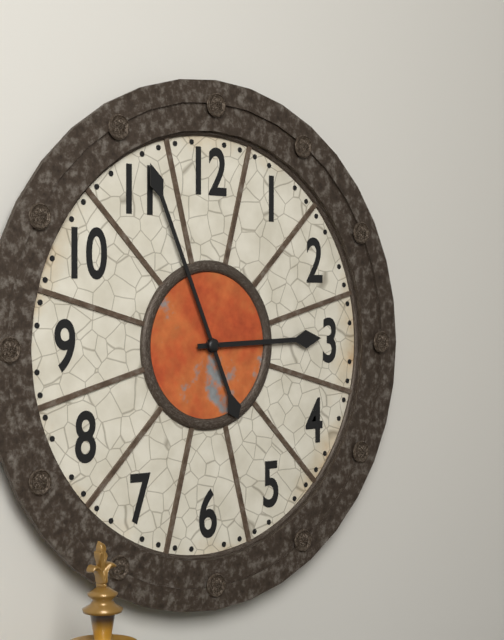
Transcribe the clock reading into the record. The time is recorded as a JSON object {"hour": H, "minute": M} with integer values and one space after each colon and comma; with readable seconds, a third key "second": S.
{"hour": 2, "minute": 56}
